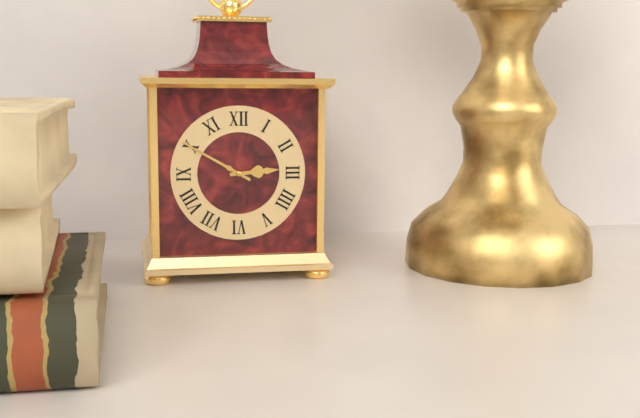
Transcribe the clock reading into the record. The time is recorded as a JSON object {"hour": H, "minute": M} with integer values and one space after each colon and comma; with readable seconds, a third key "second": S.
{"hour": 2, "minute": 50}
